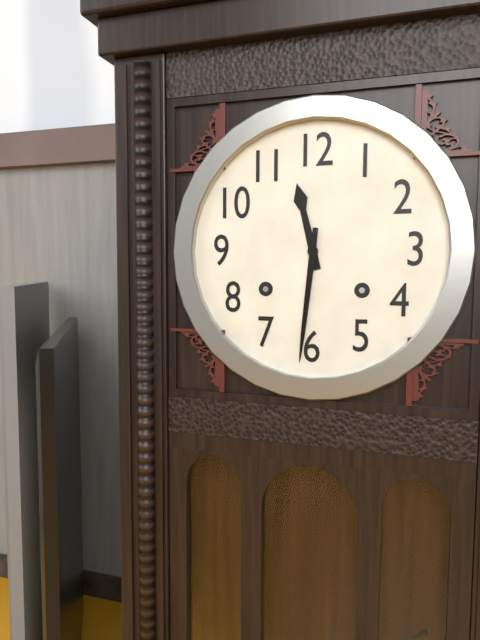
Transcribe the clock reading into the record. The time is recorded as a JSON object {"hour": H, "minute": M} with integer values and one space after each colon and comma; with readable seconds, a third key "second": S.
{"hour": 11, "minute": 31}
